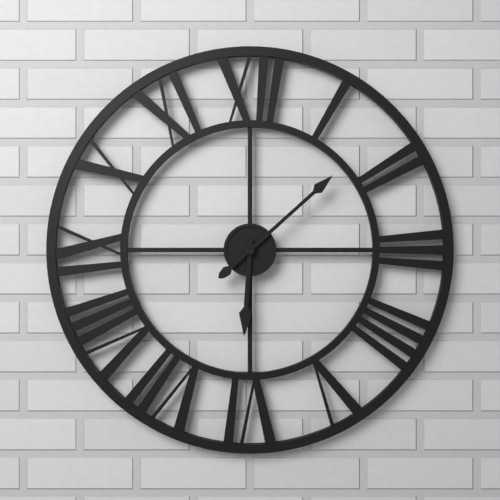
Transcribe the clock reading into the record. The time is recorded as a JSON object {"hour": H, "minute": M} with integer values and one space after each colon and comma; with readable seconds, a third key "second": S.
{"hour": 6, "minute": 8}
